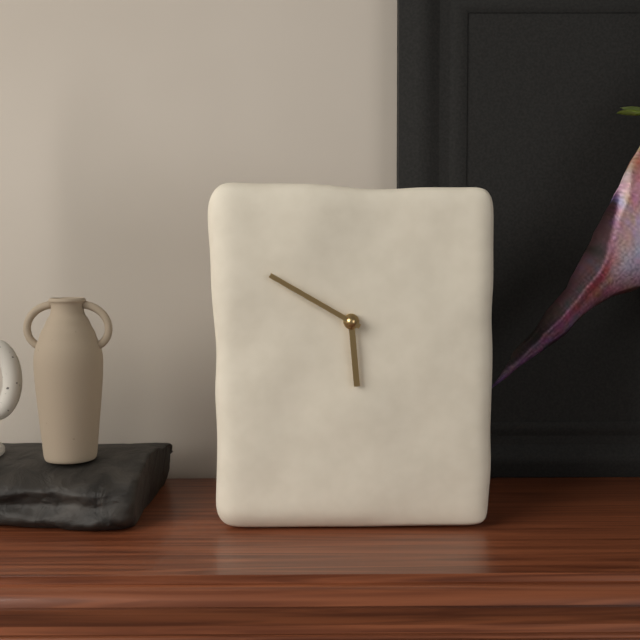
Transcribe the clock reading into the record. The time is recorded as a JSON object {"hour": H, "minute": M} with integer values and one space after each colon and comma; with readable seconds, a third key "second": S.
{"hour": 5, "minute": 50}
